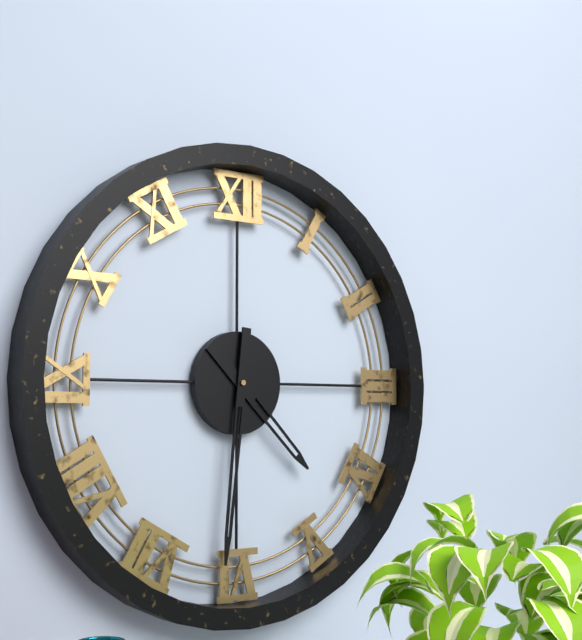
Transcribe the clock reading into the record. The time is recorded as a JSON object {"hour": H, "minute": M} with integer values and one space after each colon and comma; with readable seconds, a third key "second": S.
{"hour": 4, "minute": 31}
